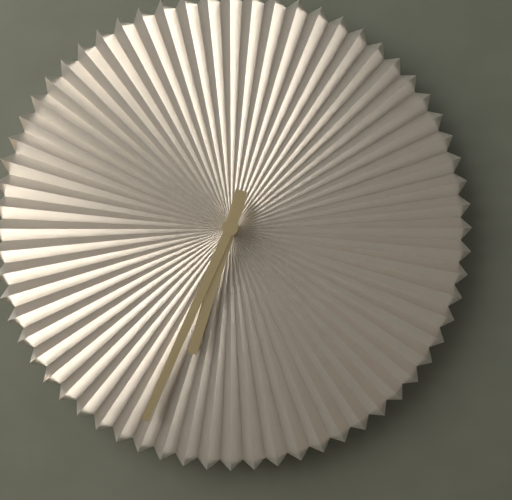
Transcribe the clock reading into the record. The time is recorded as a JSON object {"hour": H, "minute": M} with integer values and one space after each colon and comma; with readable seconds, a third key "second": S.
{"hour": 6, "minute": 34}
